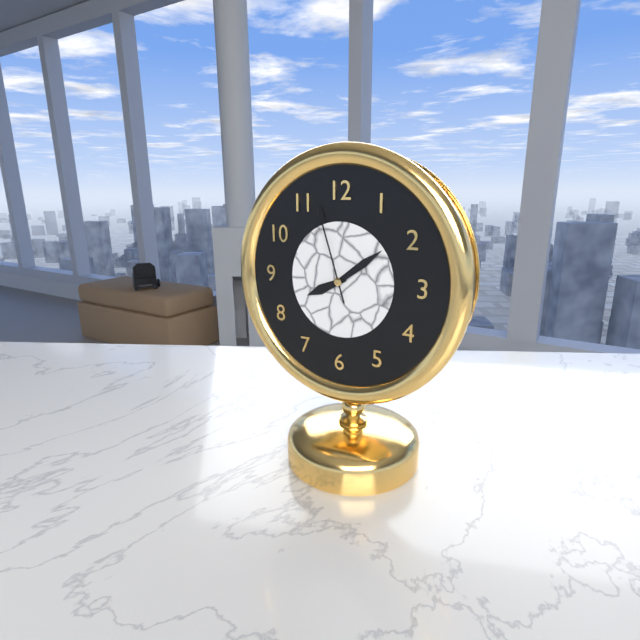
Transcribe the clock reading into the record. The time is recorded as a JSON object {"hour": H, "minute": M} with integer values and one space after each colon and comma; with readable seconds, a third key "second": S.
{"hour": 8, "minute": 9, "second": 57}
